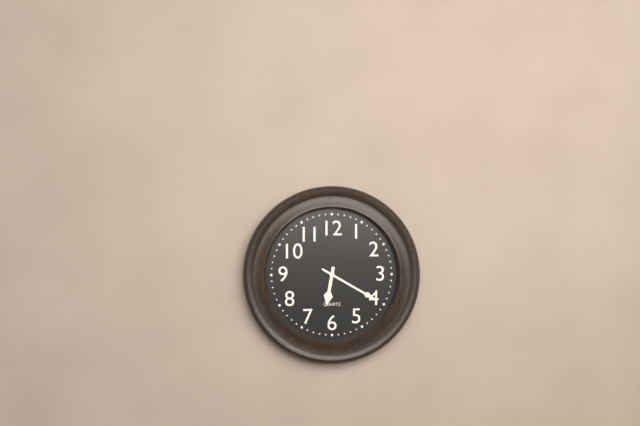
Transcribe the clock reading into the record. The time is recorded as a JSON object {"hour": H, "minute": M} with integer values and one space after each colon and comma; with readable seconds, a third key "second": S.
{"hour": 6, "minute": 20}
